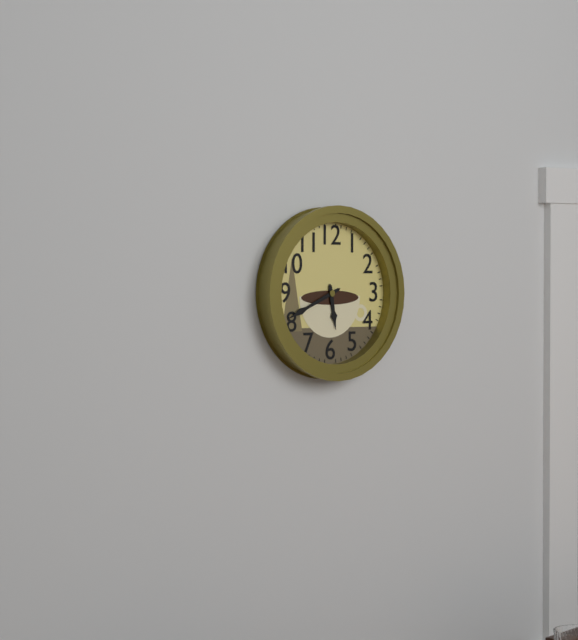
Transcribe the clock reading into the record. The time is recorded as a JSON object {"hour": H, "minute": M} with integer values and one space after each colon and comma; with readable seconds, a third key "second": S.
{"hour": 5, "minute": 41}
